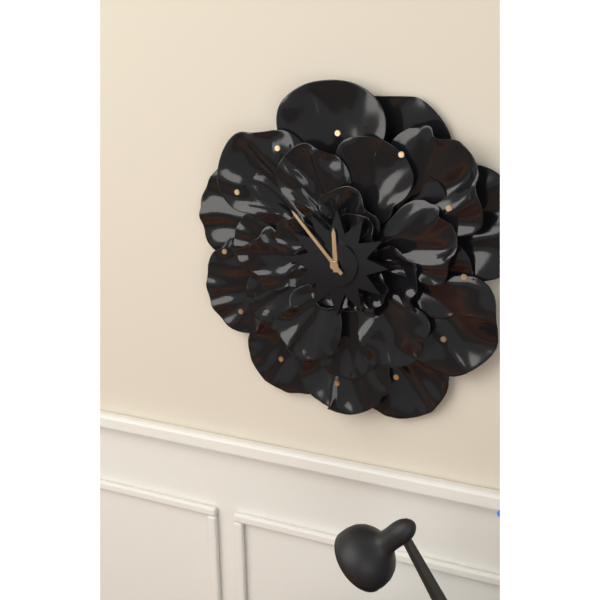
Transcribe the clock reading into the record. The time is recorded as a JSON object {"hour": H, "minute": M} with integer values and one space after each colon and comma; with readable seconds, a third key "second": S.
{"hour": 11, "minute": 53}
